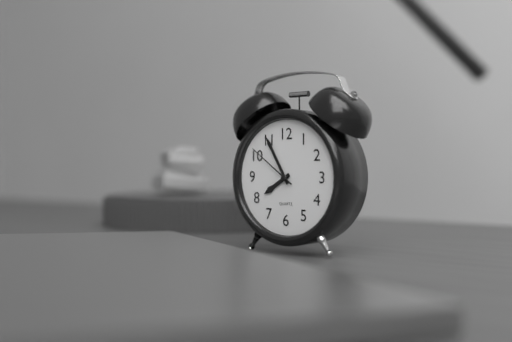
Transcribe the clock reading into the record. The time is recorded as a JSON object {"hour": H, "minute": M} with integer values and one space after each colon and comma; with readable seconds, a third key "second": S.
{"hour": 7, "minute": 55, "second": 51}
